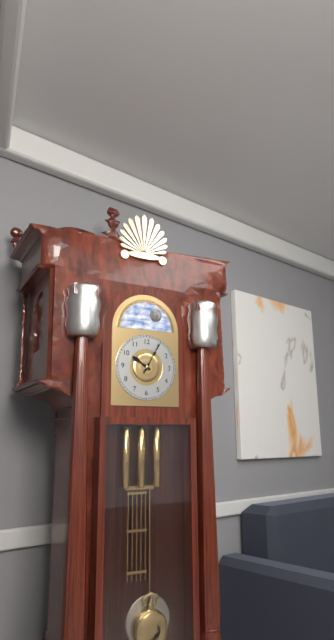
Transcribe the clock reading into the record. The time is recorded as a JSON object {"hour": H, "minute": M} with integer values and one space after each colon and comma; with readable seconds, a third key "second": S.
{"hour": 10, "minute": 5}
